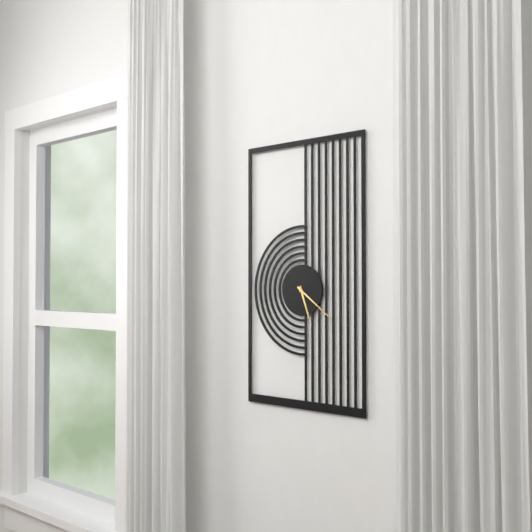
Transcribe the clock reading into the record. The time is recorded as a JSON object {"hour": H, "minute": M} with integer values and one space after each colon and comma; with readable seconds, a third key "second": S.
{"hour": 5, "minute": 21}
